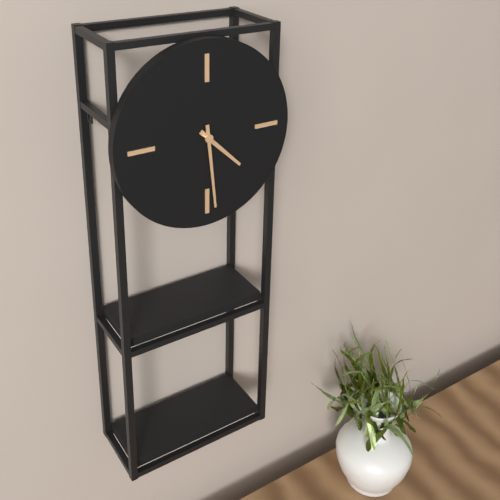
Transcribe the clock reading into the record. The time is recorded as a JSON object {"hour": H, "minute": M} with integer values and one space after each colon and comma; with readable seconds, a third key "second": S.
{"hour": 4, "minute": 29}
